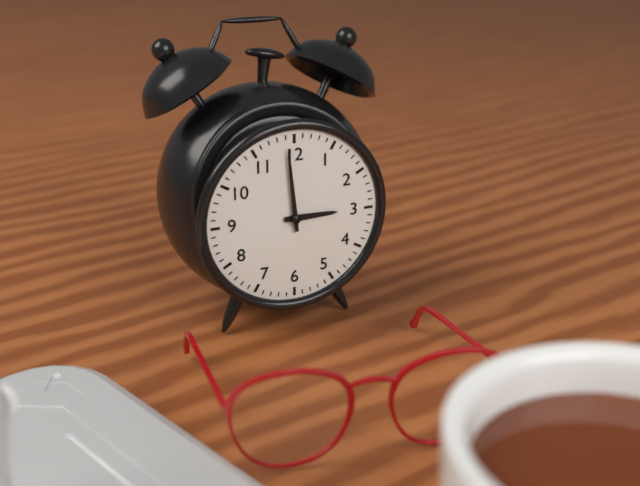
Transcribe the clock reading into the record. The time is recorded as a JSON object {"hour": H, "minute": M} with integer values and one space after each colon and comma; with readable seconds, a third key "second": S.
{"hour": 2, "minute": 59}
